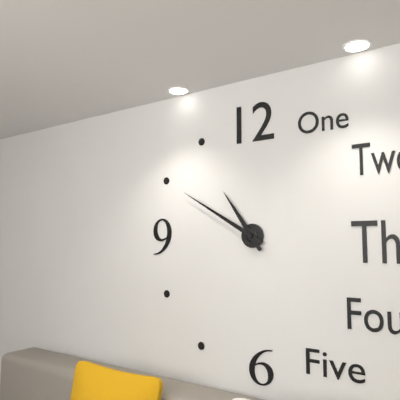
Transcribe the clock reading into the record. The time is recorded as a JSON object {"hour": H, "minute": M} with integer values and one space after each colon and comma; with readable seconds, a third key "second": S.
{"hour": 10, "minute": 50}
